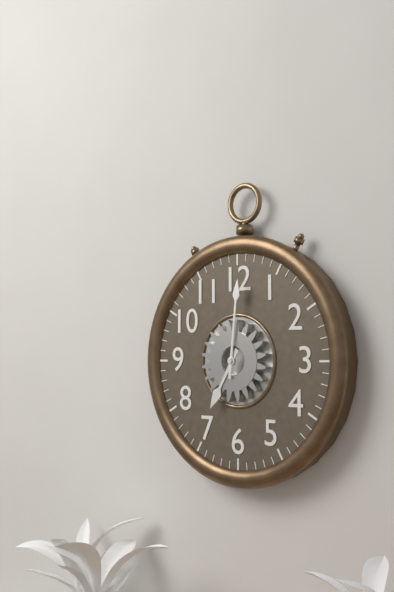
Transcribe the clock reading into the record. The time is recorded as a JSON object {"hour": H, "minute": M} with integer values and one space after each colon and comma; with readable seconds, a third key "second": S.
{"hour": 7, "minute": 1}
